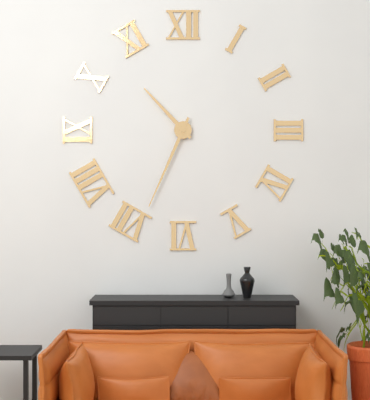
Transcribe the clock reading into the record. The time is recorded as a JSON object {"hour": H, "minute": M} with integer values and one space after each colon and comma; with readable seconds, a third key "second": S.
{"hour": 10, "minute": 34}
